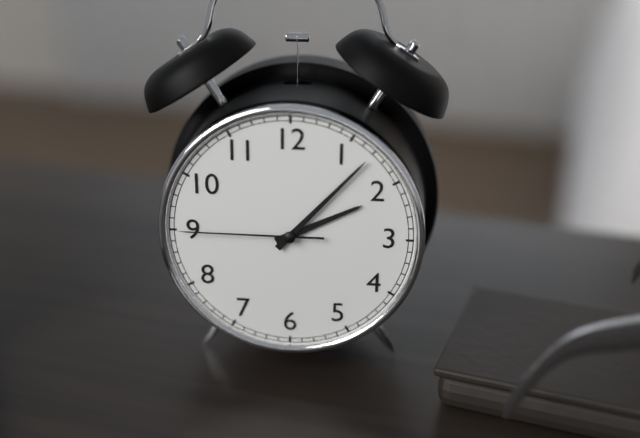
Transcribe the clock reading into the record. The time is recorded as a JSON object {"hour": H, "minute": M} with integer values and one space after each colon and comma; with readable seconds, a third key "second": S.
{"hour": 2, "minute": 7, "second": 45}
